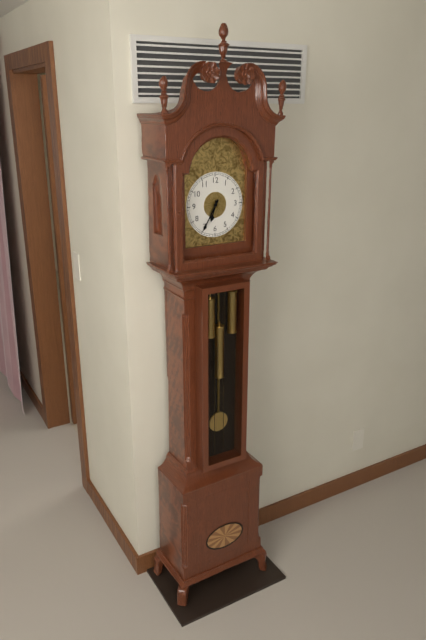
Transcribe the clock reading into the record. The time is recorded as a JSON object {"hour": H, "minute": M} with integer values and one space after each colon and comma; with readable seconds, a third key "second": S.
{"hour": 6, "minute": 35}
